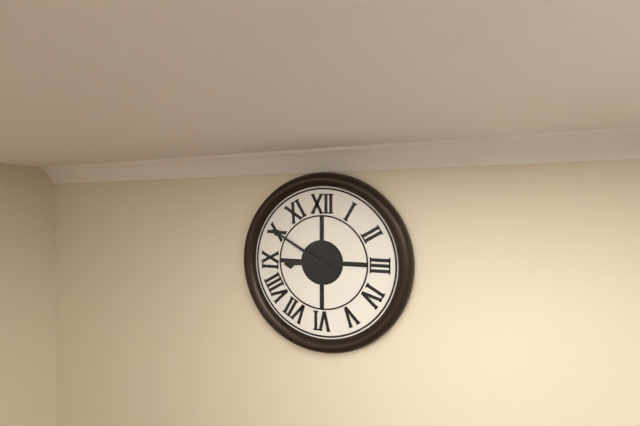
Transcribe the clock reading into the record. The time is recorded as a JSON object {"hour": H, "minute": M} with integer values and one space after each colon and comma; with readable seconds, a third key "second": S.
{"hour": 8, "minute": 50}
